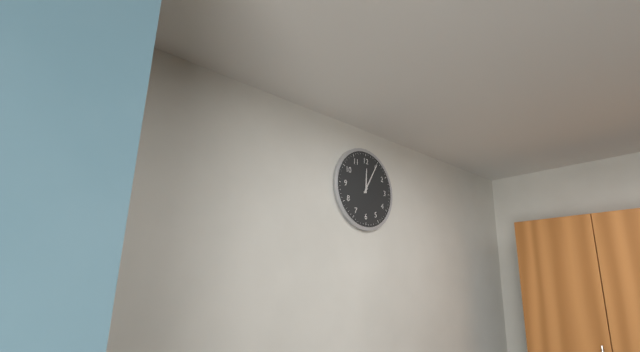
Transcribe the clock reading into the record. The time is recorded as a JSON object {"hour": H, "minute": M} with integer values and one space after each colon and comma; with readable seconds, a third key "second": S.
{"hour": 12, "minute": 5}
